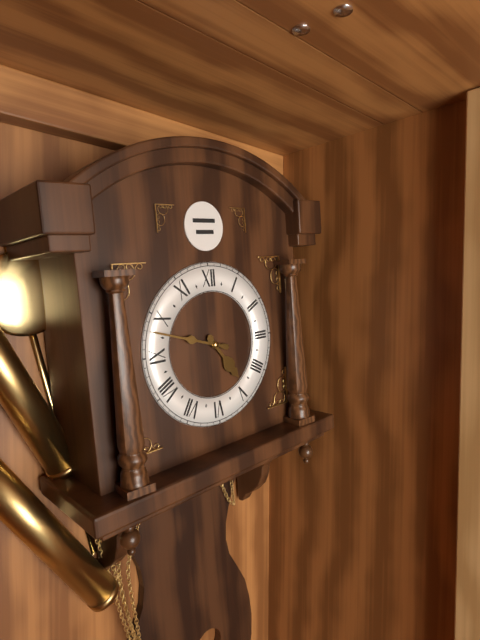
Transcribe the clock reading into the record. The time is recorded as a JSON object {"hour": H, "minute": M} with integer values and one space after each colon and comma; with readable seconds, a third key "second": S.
{"hour": 4, "minute": 48}
